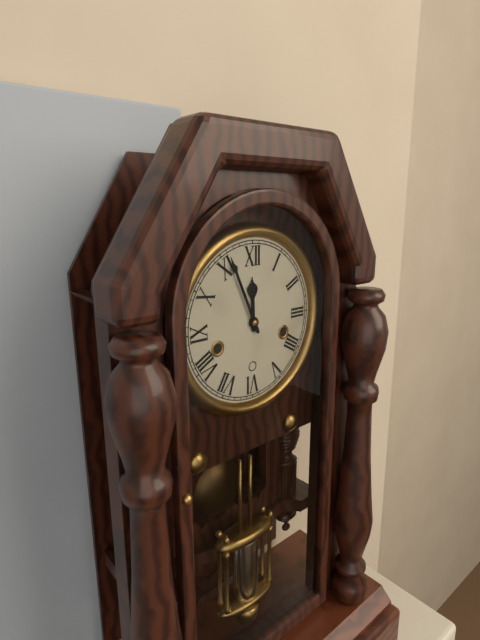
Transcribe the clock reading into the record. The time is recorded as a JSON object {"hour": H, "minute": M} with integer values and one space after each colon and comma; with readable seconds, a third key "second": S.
{"hour": 11, "minute": 56}
